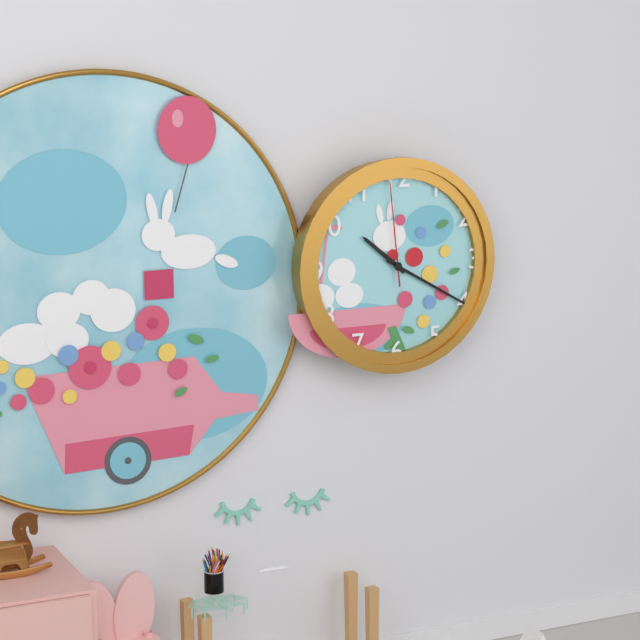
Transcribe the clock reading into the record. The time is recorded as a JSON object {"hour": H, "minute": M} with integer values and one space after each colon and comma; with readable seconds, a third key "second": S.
{"hour": 10, "minute": 20, "second": 59}
